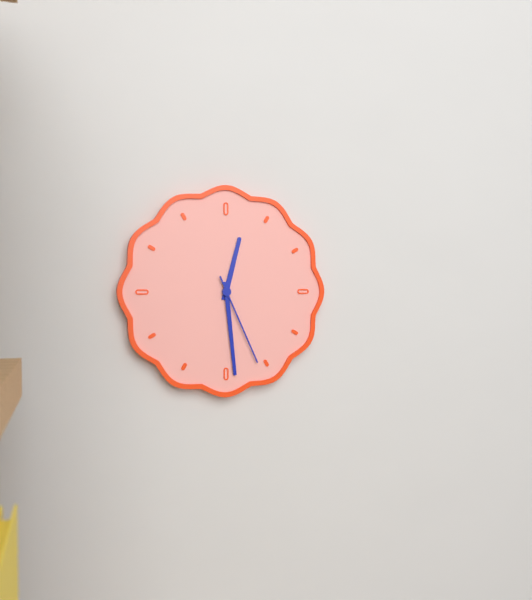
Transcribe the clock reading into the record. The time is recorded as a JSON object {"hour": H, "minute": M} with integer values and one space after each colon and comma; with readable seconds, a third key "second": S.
{"hour": 12, "minute": 29, "second": 26}
